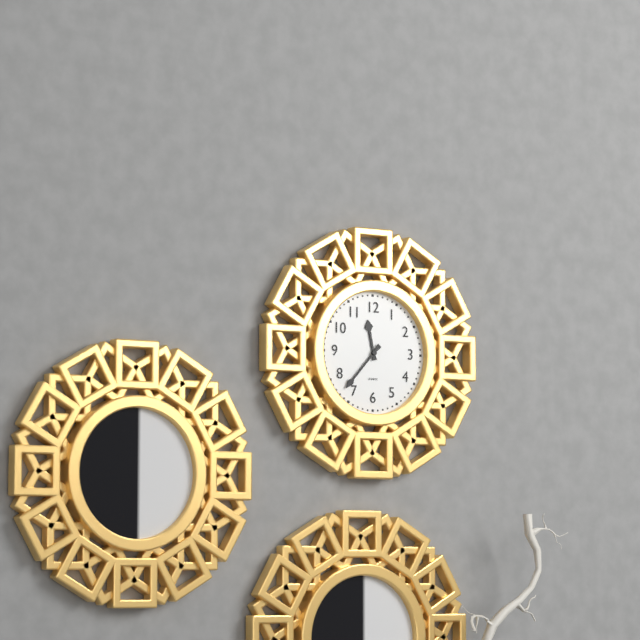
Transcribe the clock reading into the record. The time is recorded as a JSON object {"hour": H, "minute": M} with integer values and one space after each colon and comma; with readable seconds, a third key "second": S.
{"hour": 11, "minute": 37}
